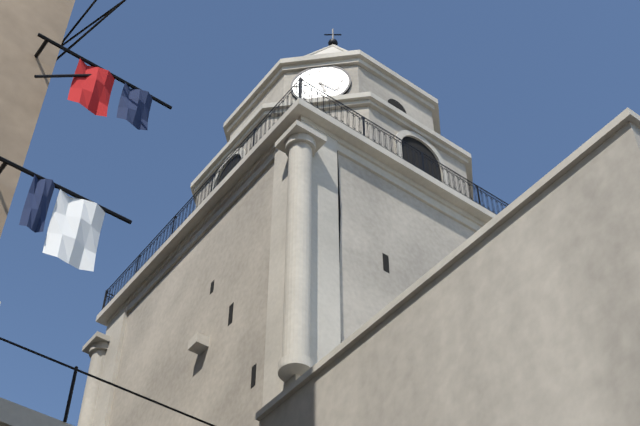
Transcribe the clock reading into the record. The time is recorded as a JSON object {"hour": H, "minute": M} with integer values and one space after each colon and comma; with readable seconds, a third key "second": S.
{"hour": 5, "minute": 22}
